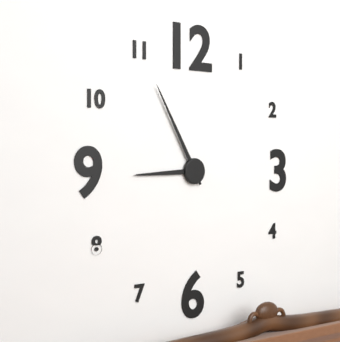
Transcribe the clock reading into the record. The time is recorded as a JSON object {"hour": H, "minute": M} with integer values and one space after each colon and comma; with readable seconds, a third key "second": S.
{"hour": 8, "minute": 55}
